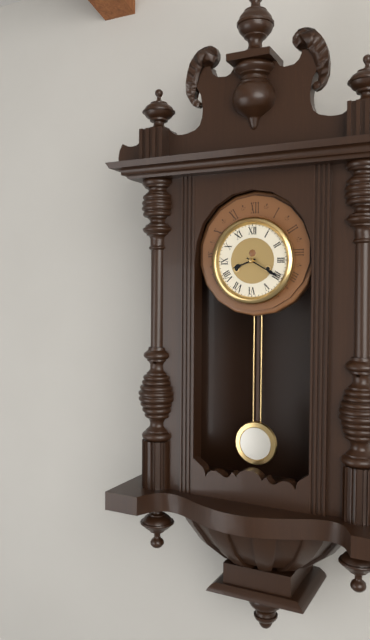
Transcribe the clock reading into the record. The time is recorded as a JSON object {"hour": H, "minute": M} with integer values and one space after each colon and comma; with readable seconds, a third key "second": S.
{"hour": 8, "minute": 20}
